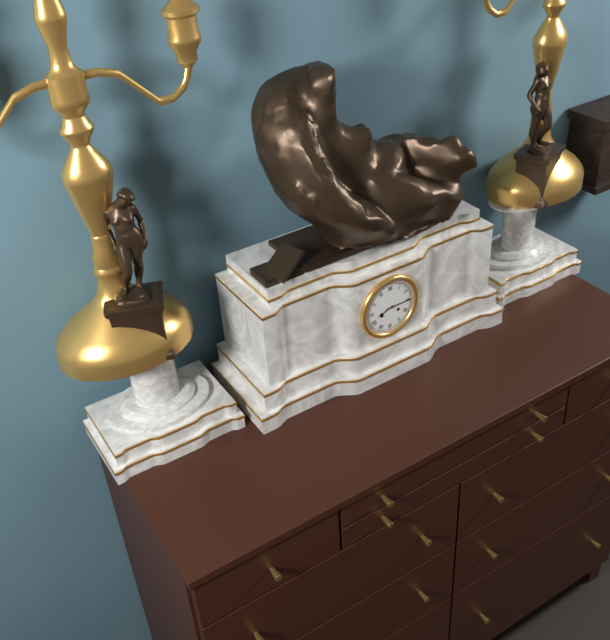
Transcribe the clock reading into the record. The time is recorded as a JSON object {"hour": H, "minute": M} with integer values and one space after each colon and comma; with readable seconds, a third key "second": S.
{"hour": 8, "minute": 15}
